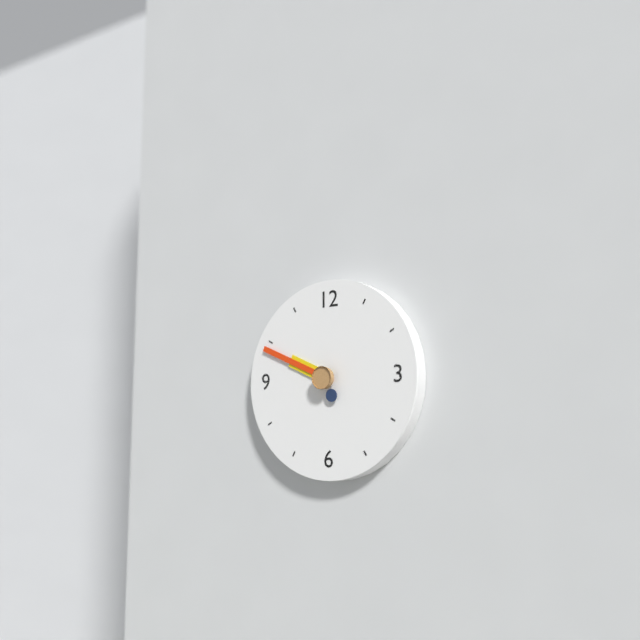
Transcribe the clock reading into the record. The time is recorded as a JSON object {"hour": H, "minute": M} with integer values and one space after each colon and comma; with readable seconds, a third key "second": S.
{"hour": 9, "minute": 49}
